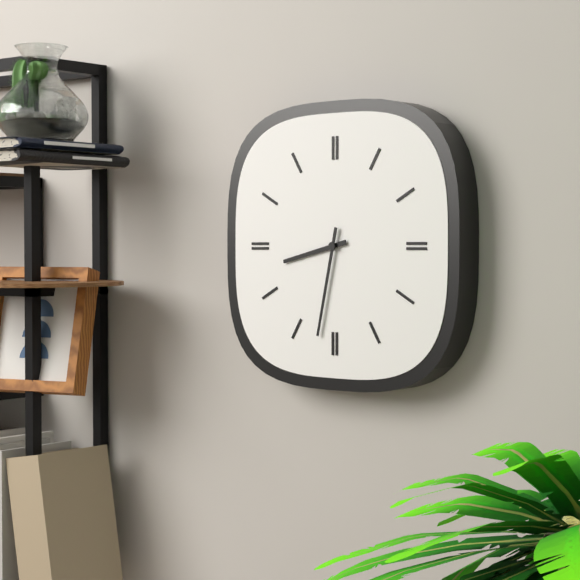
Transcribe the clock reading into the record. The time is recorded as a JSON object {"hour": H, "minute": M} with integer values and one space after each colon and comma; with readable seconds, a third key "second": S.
{"hour": 8, "minute": 32}
